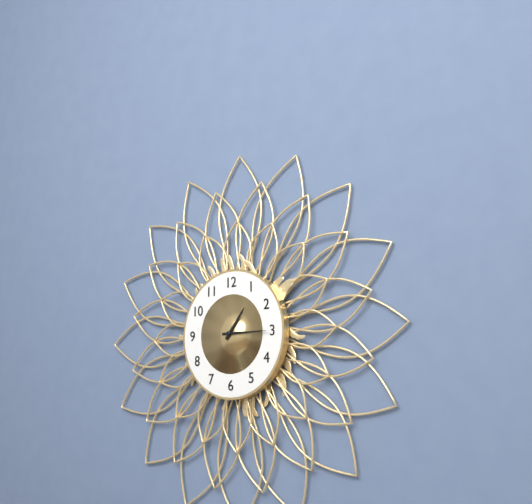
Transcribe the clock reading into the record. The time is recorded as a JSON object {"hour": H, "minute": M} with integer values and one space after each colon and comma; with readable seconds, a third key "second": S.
{"hour": 1, "minute": 15}
